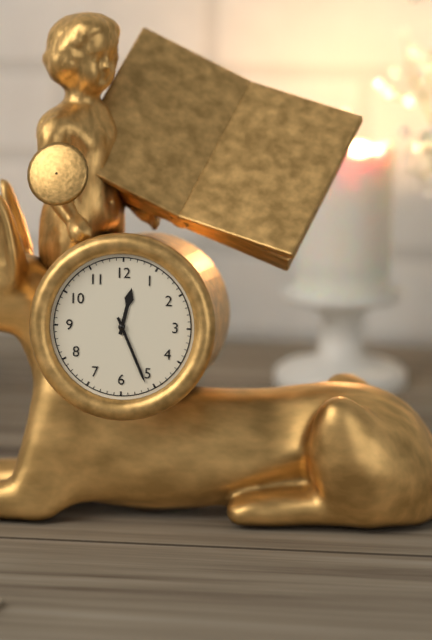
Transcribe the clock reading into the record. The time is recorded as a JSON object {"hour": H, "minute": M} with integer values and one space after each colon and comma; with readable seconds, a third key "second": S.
{"hour": 12, "minute": 26}
